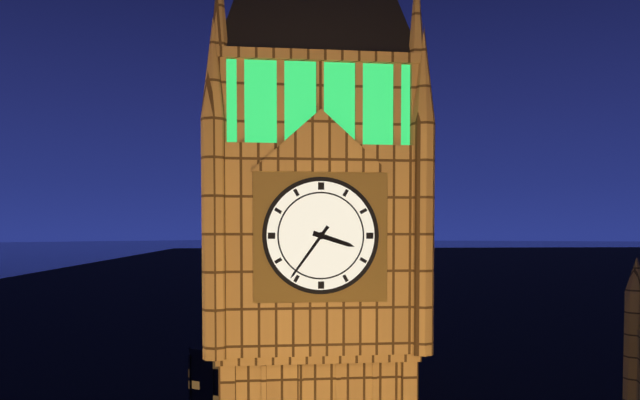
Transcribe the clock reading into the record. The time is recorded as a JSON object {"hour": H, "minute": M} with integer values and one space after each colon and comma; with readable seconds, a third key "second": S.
{"hour": 3, "minute": 36}
